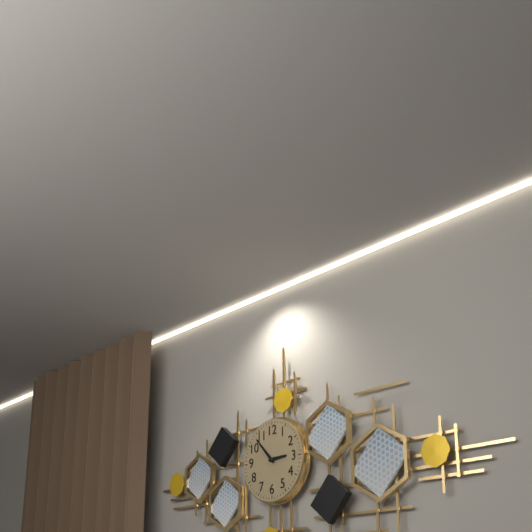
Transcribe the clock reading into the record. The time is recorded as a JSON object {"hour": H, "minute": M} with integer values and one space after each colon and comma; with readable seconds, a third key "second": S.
{"hour": 2, "minute": 53}
